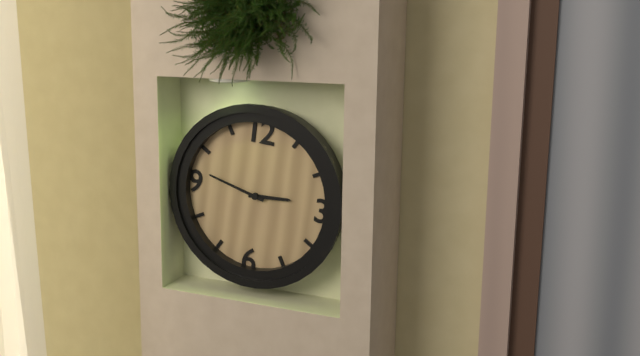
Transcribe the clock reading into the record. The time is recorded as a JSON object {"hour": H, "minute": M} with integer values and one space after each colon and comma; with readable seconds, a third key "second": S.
{"hour": 2, "minute": 47}
